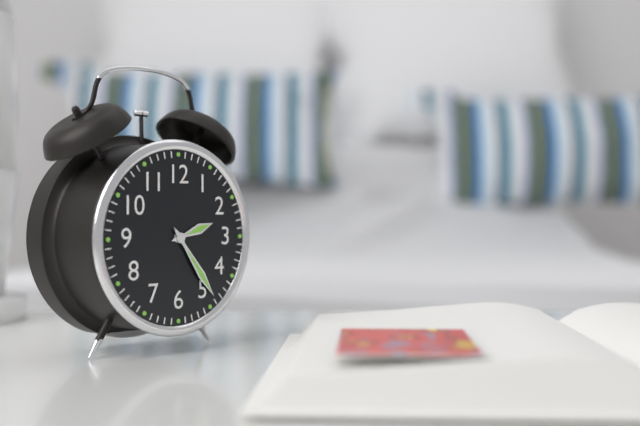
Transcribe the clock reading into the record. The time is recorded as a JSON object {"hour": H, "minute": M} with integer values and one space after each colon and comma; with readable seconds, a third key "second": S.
{"hour": 2, "minute": 24}
